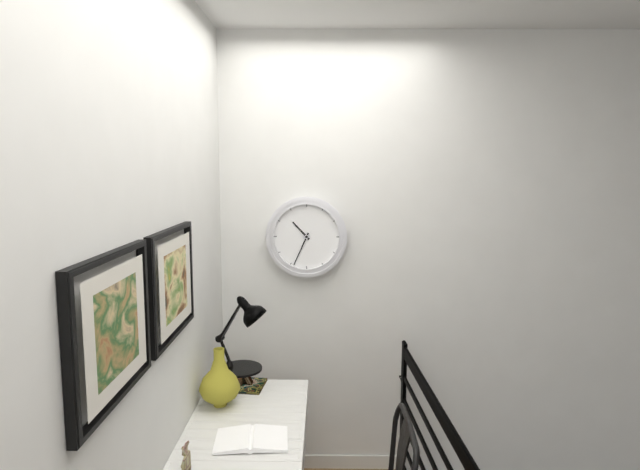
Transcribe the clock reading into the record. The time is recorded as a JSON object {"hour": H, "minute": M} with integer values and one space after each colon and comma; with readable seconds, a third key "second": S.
{"hour": 10, "minute": 34}
